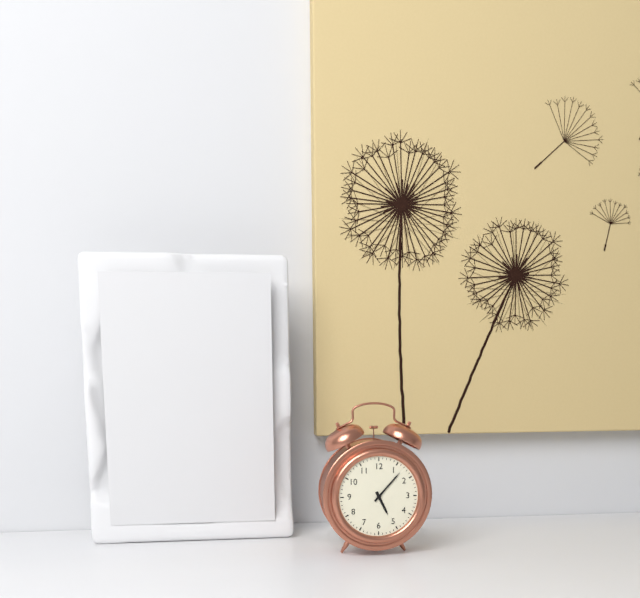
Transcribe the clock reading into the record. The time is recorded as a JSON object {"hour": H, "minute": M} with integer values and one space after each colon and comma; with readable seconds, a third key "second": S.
{"hour": 5, "minute": 7}
